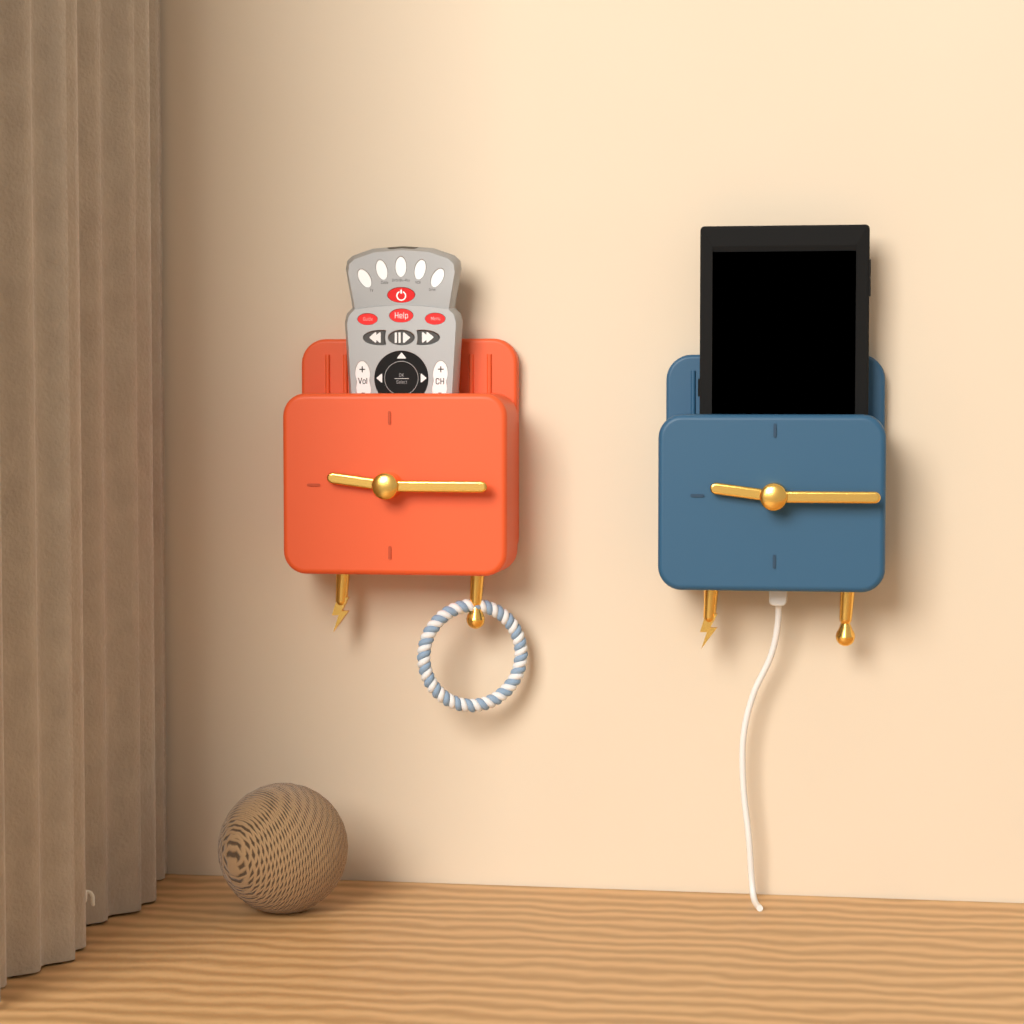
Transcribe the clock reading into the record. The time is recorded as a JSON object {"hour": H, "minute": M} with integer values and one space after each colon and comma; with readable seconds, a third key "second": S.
{"hour": 9, "minute": 15}
